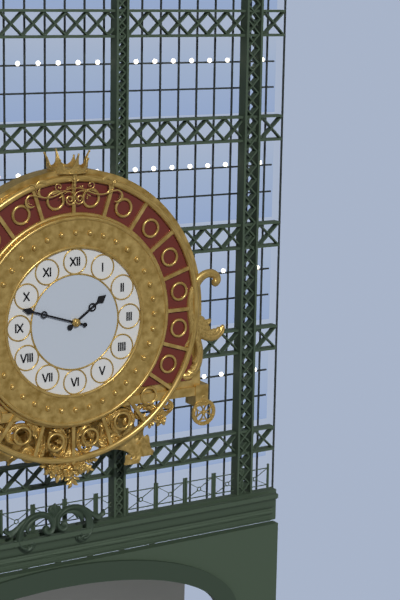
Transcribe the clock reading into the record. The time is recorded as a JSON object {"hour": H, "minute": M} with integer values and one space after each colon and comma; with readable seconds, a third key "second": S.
{"hour": 1, "minute": 48}
